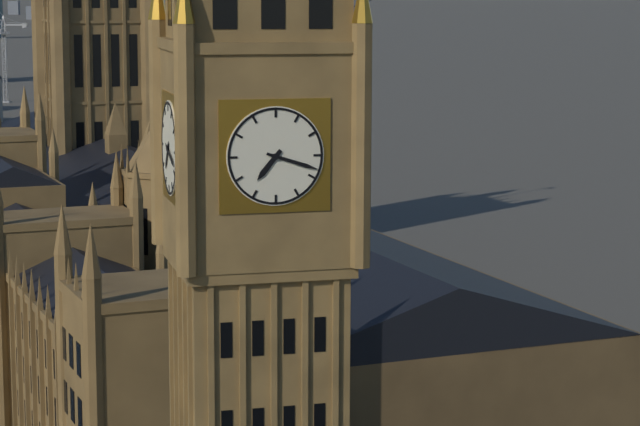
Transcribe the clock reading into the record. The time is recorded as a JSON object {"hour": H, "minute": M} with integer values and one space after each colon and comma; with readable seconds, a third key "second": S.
{"hour": 7, "minute": 18}
